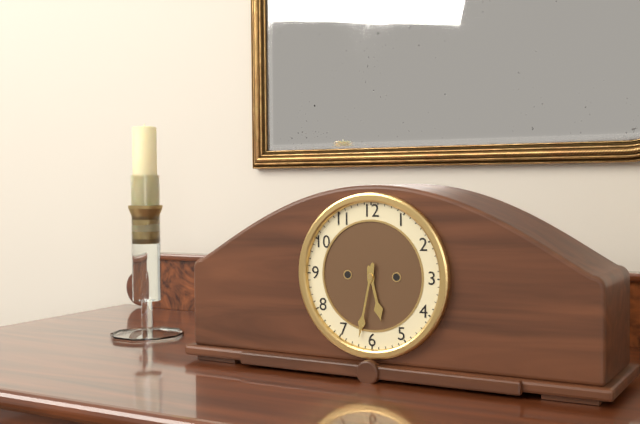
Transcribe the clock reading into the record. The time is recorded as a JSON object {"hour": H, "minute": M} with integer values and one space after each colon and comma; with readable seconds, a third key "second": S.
{"hour": 5, "minute": 32}
